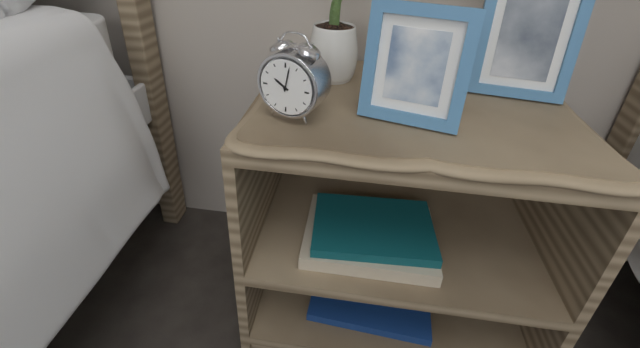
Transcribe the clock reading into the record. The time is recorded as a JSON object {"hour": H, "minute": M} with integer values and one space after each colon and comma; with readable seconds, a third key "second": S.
{"hour": 10, "minute": 2}
